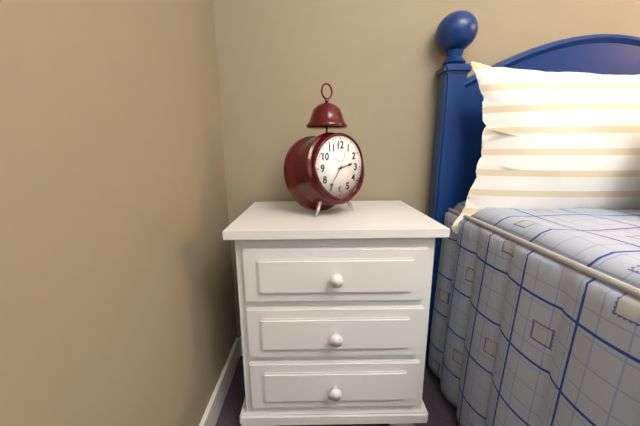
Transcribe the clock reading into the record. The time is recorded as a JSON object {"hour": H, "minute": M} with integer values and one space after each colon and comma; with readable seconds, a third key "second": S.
{"hour": 2, "minute": 36}
